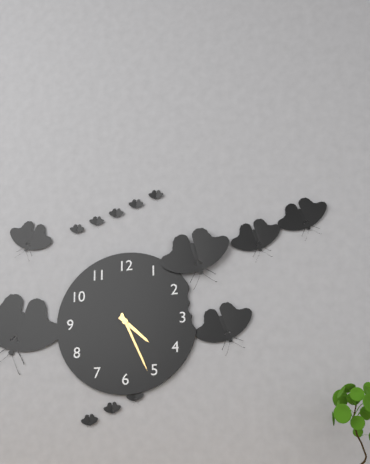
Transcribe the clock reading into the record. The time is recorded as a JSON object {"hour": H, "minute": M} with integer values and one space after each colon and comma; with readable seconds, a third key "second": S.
{"hour": 4, "minute": 26}
